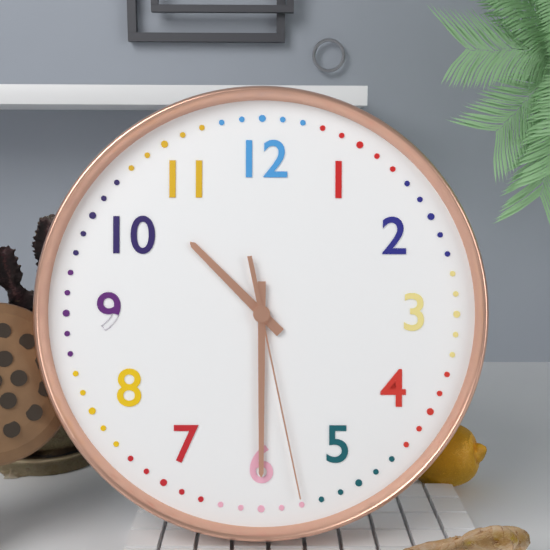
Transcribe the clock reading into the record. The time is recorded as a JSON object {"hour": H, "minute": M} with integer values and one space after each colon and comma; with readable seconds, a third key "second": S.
{"hour": 10, "minute": 30, "second": 28}
